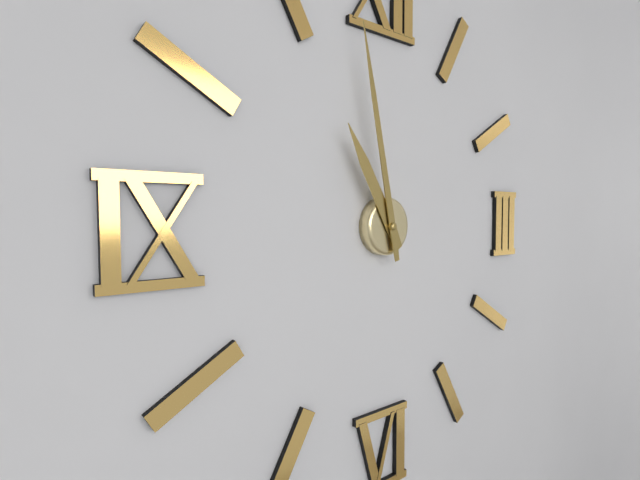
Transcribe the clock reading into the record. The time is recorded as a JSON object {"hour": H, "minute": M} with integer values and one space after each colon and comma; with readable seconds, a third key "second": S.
{"hour": 10, "minute": 58}
